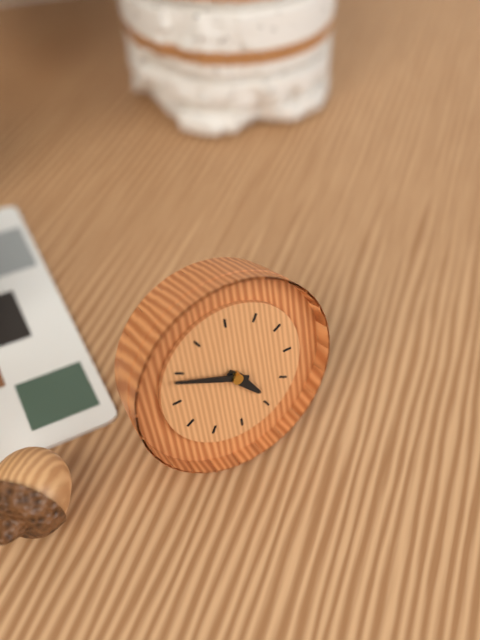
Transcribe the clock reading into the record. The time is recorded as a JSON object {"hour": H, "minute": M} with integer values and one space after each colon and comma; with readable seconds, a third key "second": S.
{"hour": 4, "minute": 49}
